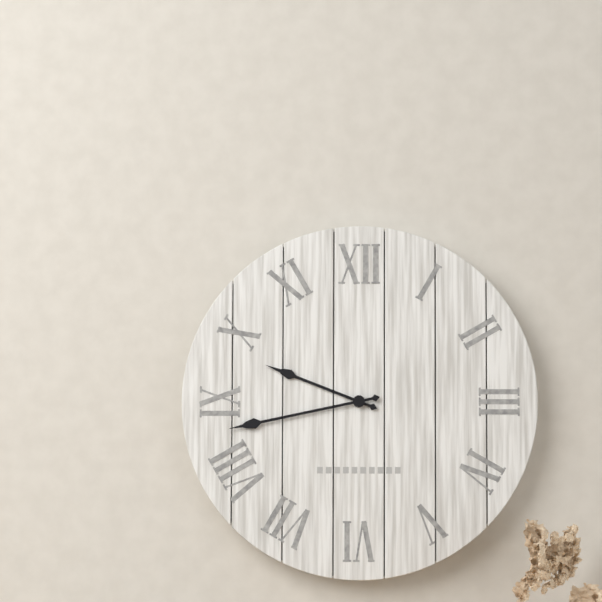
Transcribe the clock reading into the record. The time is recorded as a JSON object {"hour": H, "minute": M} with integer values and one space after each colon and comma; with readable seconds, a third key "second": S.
{"hour": 9, "minute": 43}
